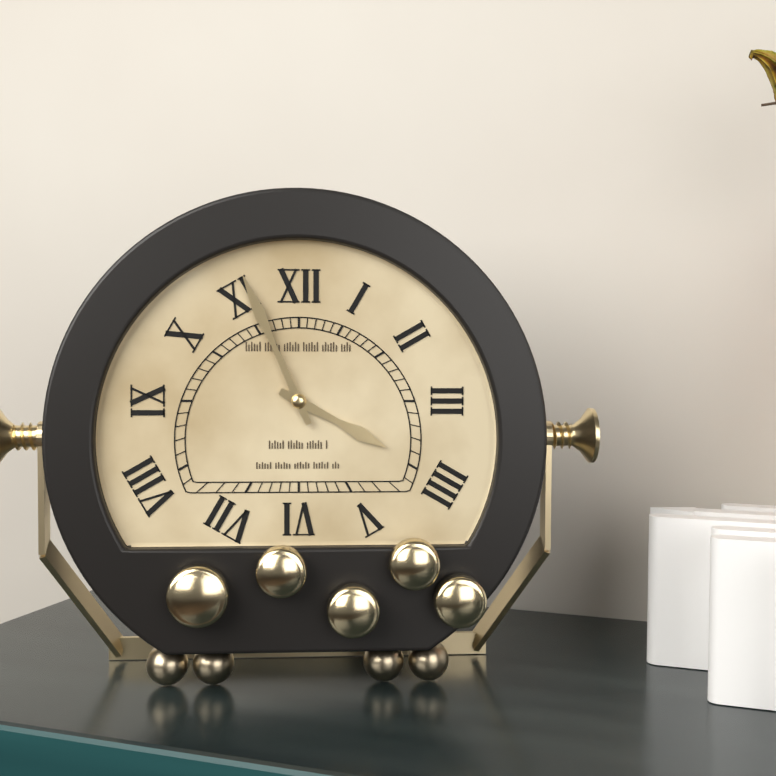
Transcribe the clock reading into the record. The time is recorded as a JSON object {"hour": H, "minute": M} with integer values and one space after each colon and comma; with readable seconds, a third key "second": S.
{"hour": 3, "minute": 56}
